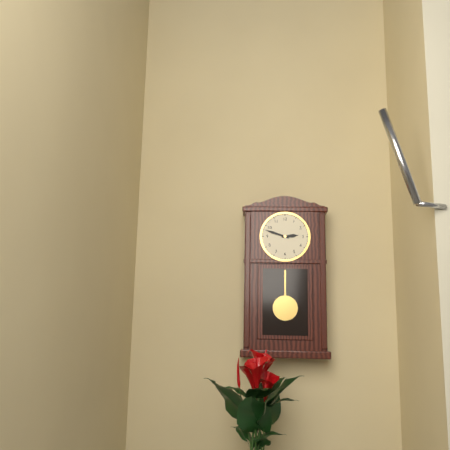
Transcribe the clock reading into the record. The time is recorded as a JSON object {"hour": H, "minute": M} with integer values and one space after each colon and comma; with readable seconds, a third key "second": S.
{"hour": 2, "minute": 48}
